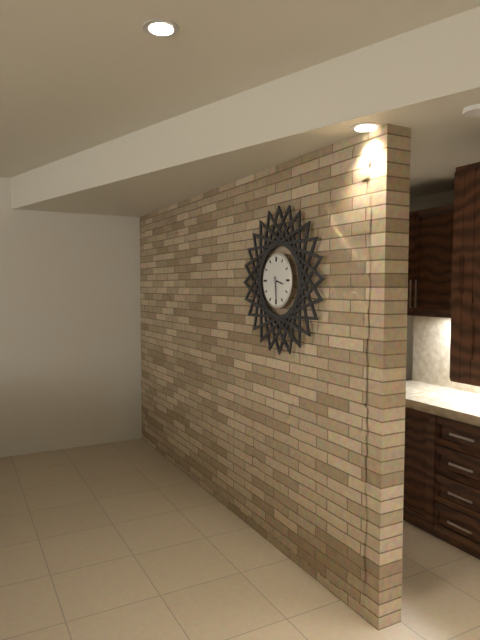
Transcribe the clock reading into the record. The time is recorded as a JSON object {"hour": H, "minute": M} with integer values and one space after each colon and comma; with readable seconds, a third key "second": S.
{"hour": 3, "minute": 29}
